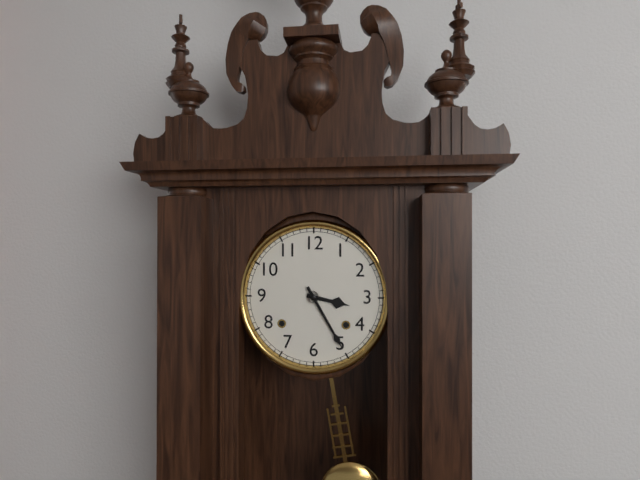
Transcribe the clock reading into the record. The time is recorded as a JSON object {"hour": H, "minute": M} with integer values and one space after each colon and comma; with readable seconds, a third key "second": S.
{"hour": 3, "minute": 25}
